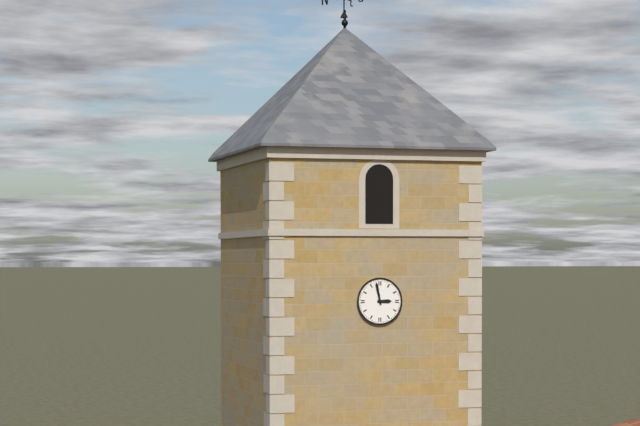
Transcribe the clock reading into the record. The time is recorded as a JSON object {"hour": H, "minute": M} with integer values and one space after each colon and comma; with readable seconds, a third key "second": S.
{"hour": 2, "minute": 58}
